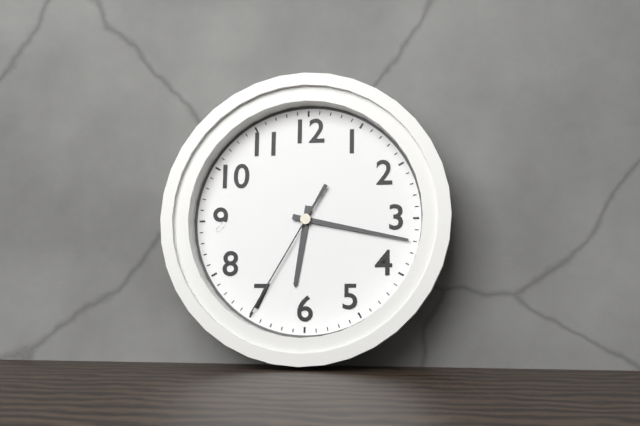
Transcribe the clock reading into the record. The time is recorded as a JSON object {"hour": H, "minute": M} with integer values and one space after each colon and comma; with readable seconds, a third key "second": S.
{"hour": 6, "minute": 17, "second": 35}
